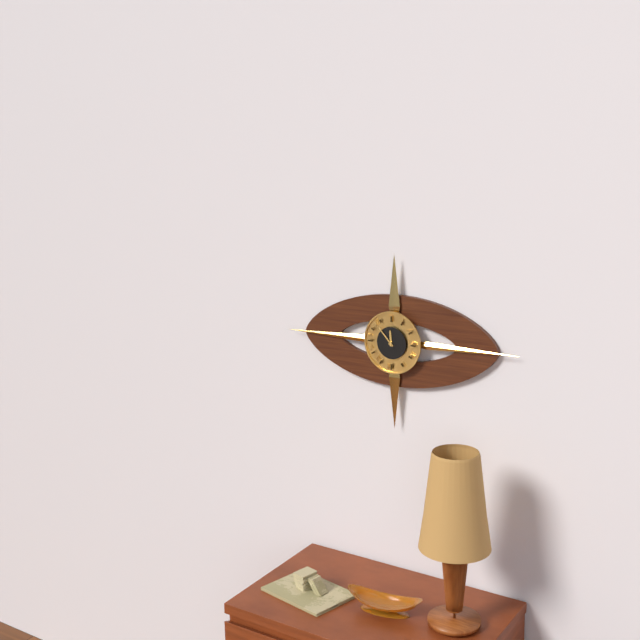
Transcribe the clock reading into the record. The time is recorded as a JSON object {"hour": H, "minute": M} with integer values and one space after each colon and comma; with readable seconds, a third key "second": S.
{"hour": 11, "minute": 53}
